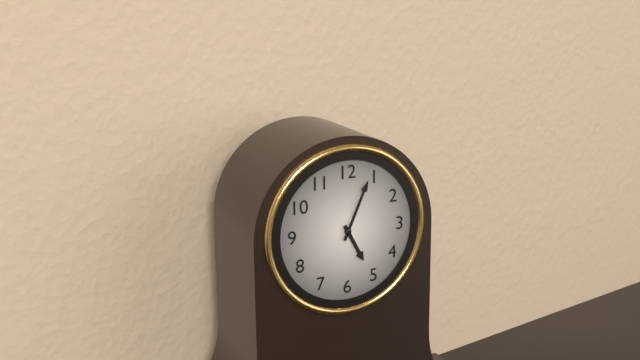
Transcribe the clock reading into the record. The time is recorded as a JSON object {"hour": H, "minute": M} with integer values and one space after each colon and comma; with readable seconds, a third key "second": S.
{"hour": 5, "minute": 4}
